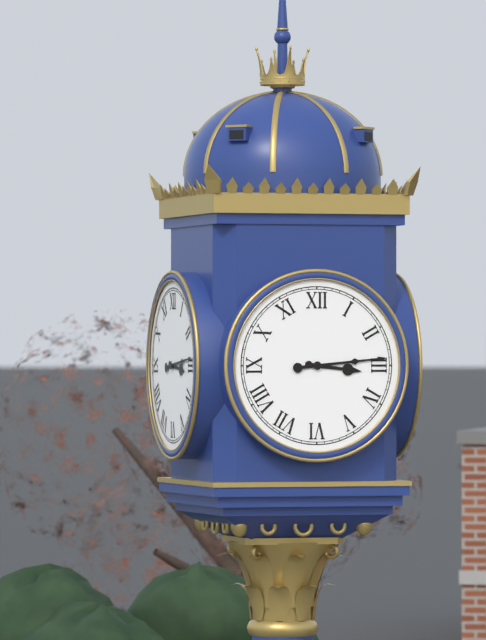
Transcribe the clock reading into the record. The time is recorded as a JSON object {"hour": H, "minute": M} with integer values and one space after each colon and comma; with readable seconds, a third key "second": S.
{"hour": 3, "minute": 14}
